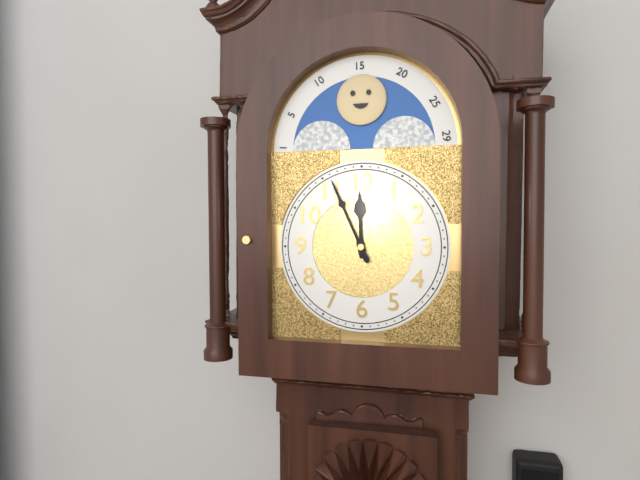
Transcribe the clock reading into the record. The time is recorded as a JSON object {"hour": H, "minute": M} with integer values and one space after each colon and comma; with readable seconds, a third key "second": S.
{"hour": 11, "minute": 56}
